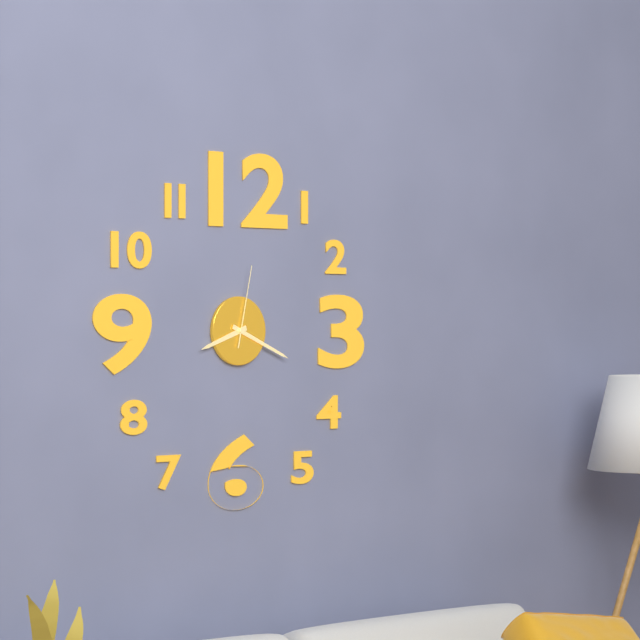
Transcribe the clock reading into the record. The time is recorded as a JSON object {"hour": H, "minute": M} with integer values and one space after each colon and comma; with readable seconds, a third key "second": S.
{"hour": 8, "minute": 19, "second": 2}
